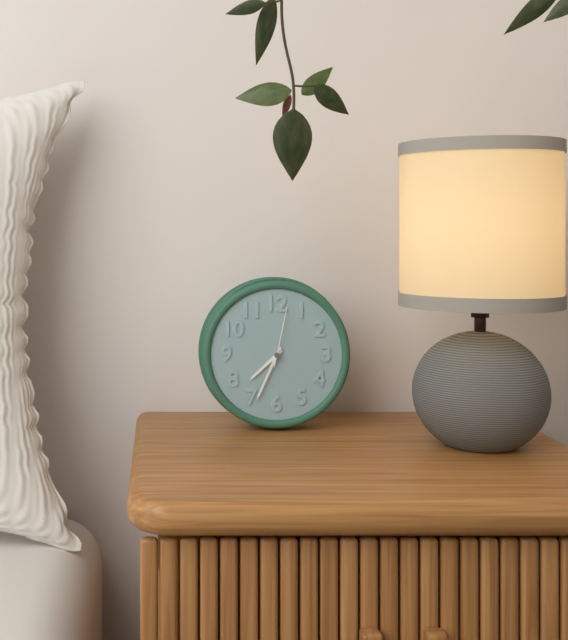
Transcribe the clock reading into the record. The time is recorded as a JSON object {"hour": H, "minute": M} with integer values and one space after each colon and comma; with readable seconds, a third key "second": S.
{"hour": 7, "minute": 34, "second": 2}
